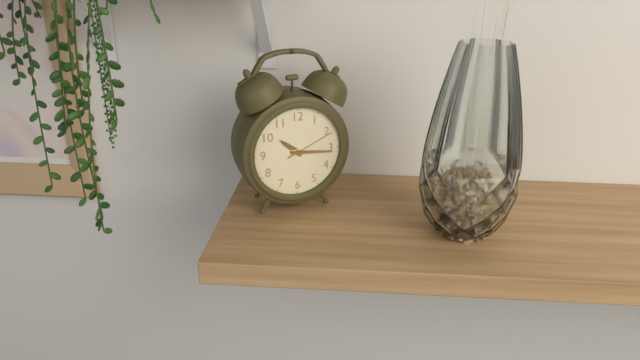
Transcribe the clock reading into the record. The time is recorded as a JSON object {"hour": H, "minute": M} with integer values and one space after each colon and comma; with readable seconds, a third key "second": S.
{"hour": 10, "minute": 16, "second": 11}
